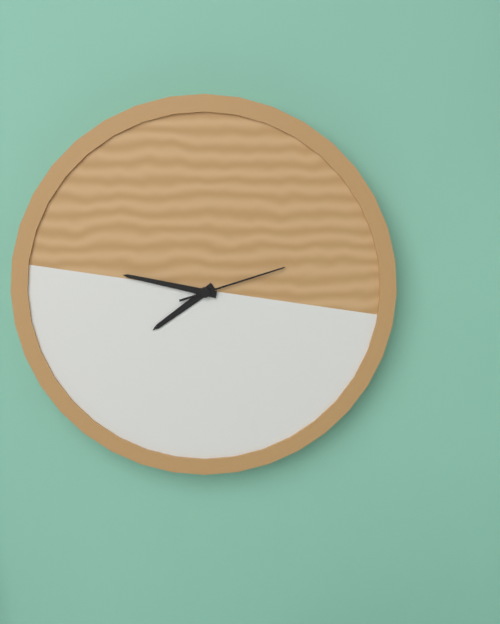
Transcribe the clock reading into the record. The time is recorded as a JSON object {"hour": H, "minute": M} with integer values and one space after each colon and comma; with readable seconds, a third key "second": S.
{"hour": 7, "minute": 47, "second": 12}
